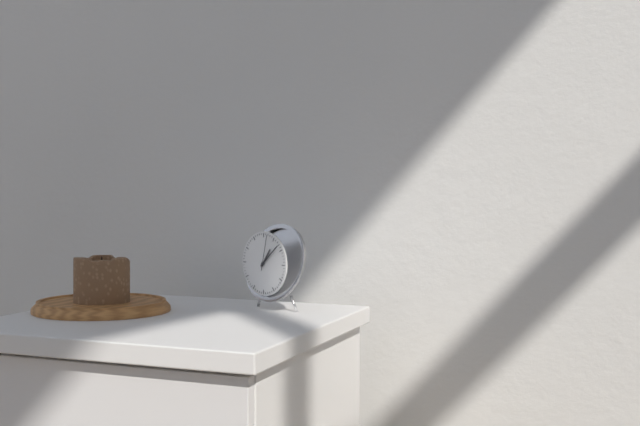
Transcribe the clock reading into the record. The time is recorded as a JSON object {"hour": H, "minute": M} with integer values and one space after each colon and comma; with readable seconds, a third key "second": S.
{"hour": 1, "minute": 8}
